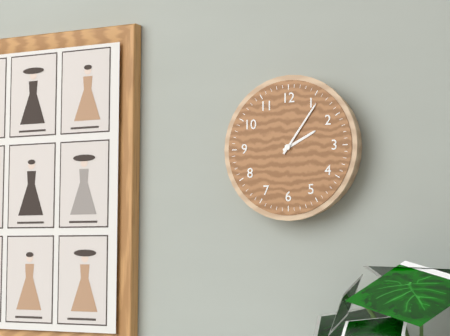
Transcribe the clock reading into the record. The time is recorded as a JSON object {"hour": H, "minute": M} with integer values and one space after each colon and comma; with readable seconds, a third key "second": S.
{"hour": 2, "minute": 6}
